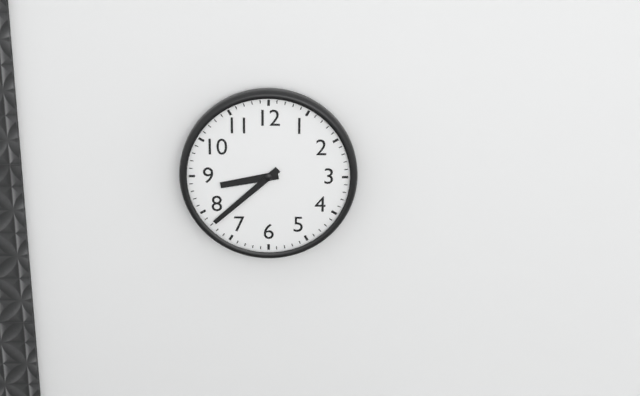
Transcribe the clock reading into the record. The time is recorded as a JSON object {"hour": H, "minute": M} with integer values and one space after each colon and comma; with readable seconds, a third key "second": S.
{"hour": 8, "minute": 38}
